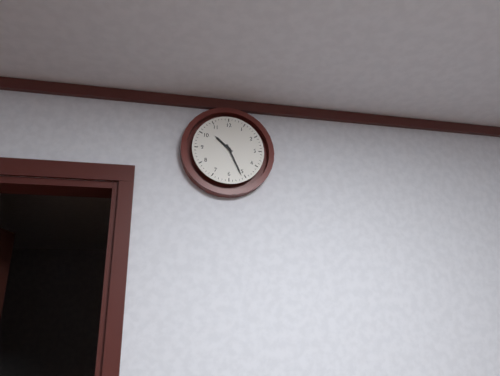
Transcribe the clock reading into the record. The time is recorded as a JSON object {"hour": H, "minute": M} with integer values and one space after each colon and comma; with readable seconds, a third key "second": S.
{"hour": 10, "minute": 26}
